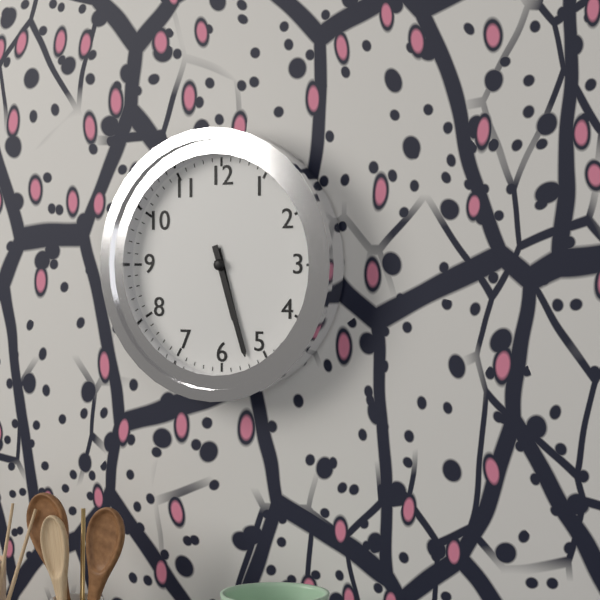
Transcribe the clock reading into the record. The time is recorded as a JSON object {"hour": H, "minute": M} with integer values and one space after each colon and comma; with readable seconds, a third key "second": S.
{"hour": 5, "minute": 27}
